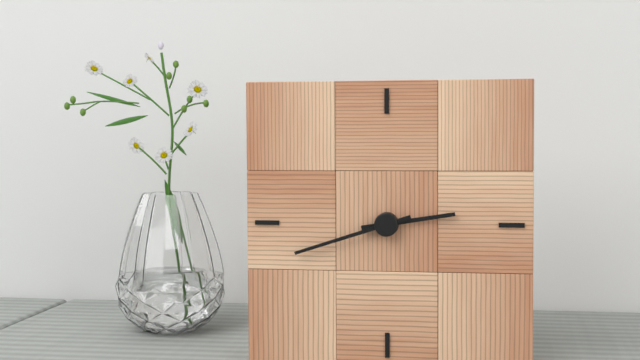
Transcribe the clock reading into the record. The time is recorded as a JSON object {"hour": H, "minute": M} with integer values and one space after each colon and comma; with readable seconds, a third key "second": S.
{"hour": 2, "minute": 42}
